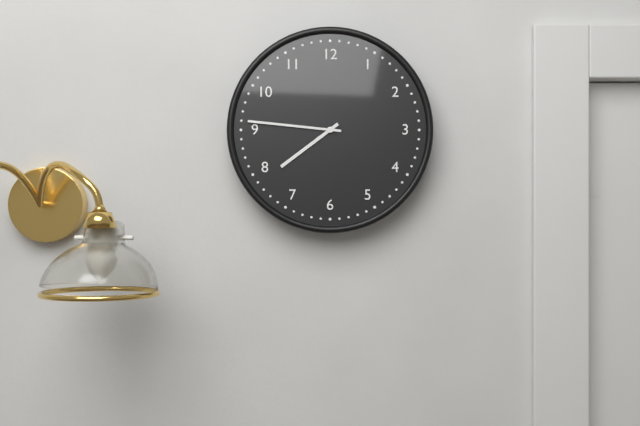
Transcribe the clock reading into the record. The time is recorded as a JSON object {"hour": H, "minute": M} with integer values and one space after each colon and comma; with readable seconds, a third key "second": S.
{"hour": 7, "minute": 46}
